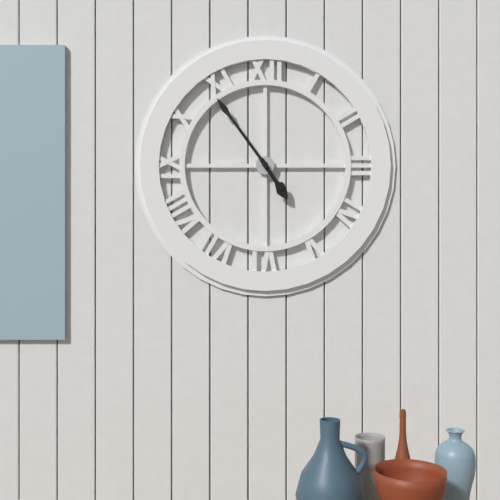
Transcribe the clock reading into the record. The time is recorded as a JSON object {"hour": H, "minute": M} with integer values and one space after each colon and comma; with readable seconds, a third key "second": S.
{"hour": 4, "minute": 54}
